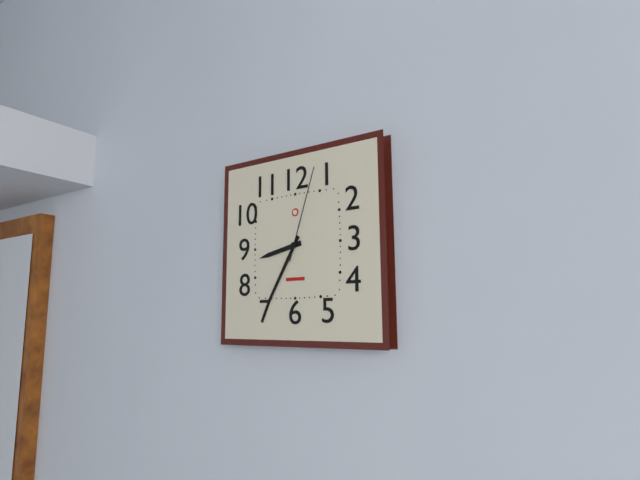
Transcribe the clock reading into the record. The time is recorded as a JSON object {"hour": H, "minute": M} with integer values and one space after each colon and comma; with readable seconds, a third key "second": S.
{"hour": 8, "minute": 35, "second": 3}
